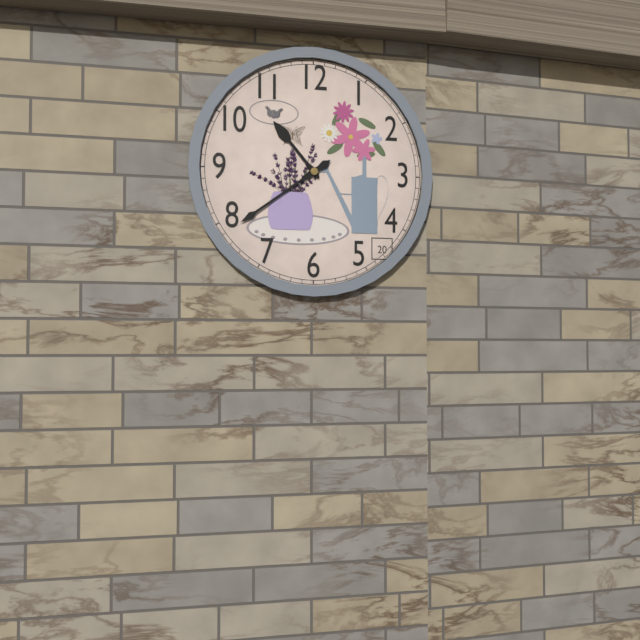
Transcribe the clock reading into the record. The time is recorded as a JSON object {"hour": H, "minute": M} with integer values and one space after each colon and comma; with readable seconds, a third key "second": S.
{"hour": 10, "minute": 39}
